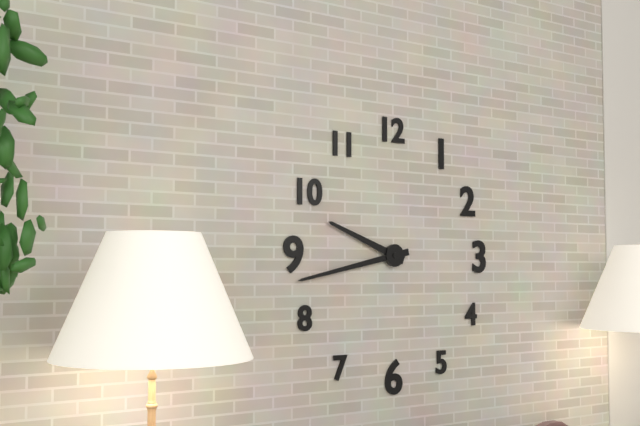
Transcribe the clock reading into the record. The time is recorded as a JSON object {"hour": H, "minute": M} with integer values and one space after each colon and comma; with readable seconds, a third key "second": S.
{"hour": 9, "minute": 43}
